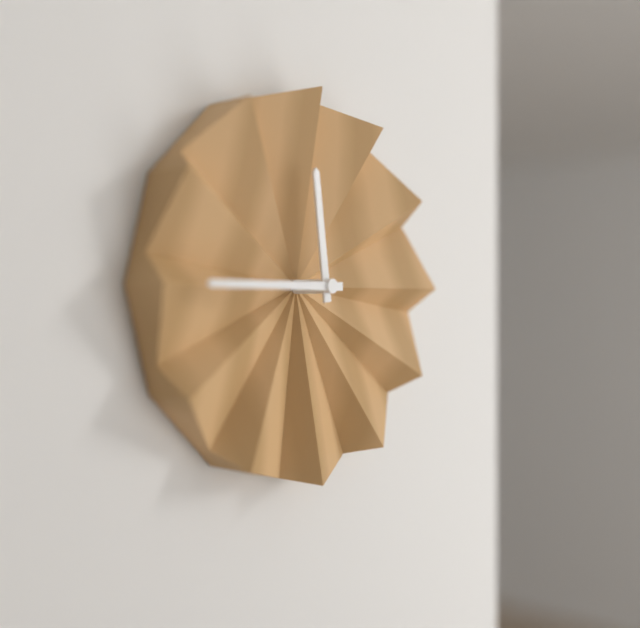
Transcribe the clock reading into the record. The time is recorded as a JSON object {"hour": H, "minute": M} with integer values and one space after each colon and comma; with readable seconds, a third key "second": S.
{"hour": 11, "minute": 45}
